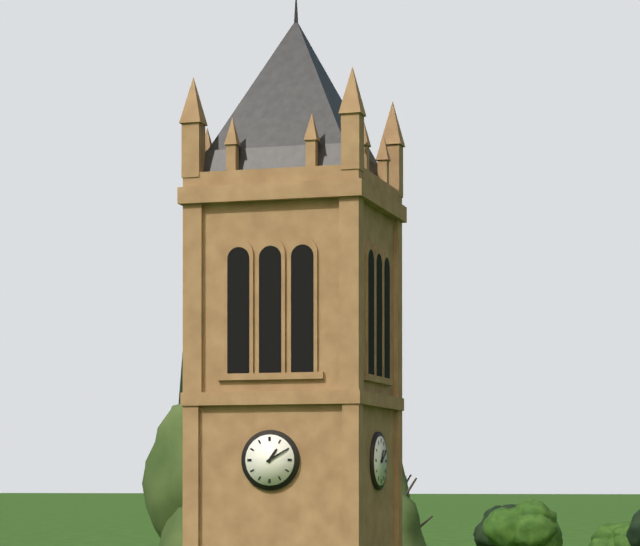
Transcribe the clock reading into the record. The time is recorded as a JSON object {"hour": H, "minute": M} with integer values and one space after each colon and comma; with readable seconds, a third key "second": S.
{"hour": 1, "minute": 10}
